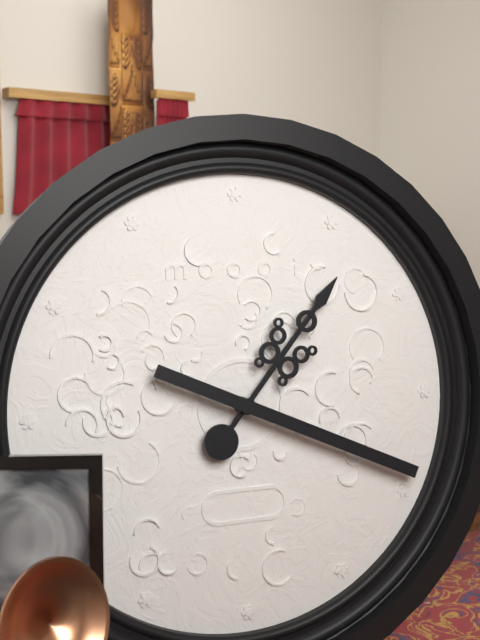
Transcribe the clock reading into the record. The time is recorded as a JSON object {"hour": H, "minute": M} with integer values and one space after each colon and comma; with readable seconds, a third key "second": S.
{"hour": 1, "minute": 19}
